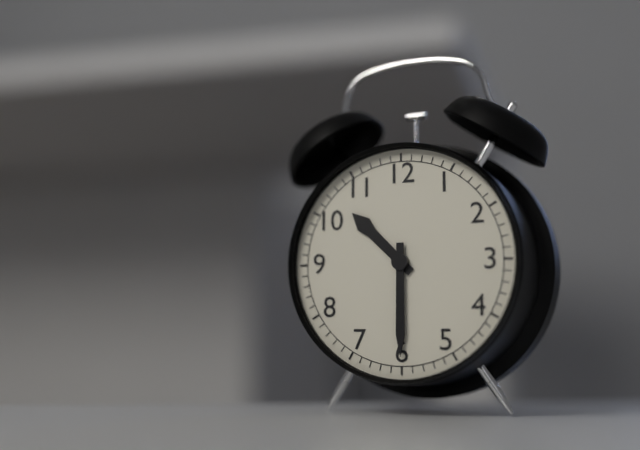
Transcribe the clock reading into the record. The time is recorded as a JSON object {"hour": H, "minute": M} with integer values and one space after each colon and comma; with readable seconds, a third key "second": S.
{"hour": 10, "minute": 30}
